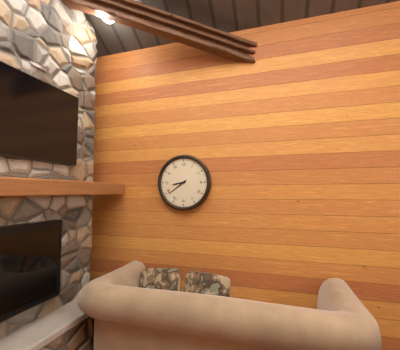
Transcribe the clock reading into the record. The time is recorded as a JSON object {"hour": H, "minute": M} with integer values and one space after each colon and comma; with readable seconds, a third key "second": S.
{"hour": 8, "minute": 39}
